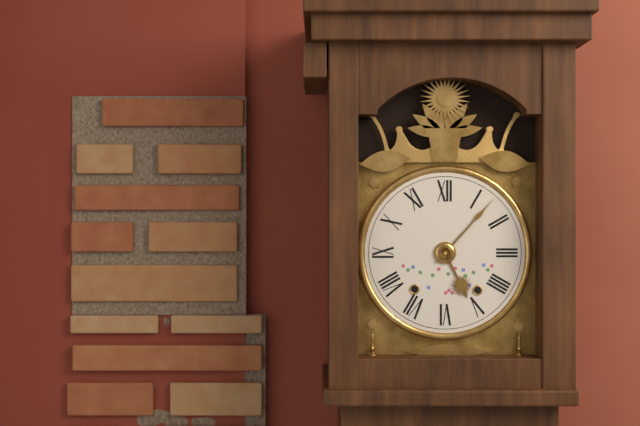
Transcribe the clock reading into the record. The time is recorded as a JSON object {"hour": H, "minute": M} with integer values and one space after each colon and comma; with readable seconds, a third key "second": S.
{"hour": 5, "minute": 7}
